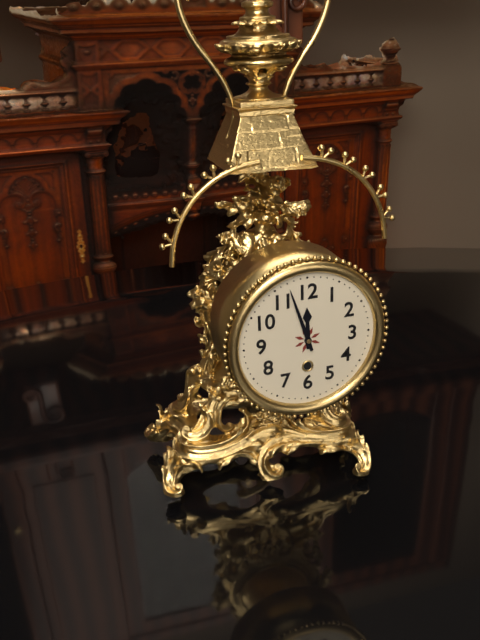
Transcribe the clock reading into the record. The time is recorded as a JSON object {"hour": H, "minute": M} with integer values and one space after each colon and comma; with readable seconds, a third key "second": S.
{"hour": 11, "minute": 57}
